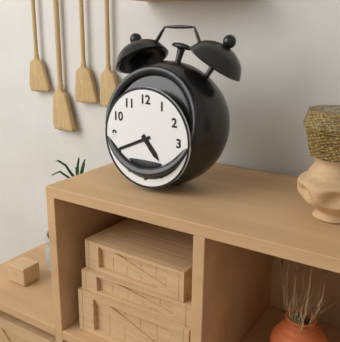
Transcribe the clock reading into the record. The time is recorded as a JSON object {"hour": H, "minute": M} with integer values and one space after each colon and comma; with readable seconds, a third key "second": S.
{"hour": 4, "minute": 41}
